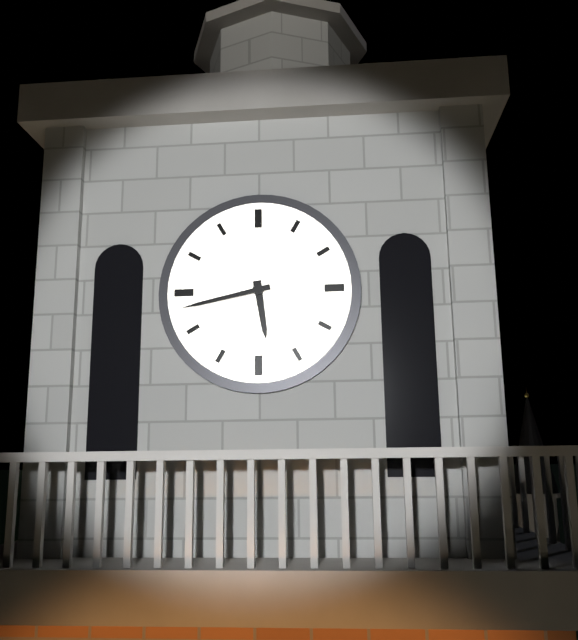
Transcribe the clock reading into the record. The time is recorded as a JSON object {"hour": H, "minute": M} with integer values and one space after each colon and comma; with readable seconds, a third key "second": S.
{"hour": 5, "minute": 43}
